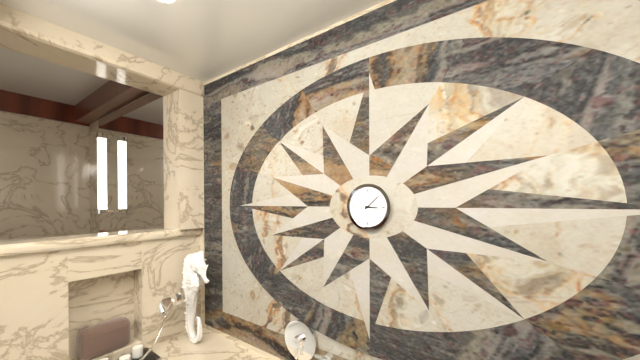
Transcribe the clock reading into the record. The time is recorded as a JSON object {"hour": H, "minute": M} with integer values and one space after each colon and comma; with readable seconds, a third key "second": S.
{"hour": 3, "minute": 8}
